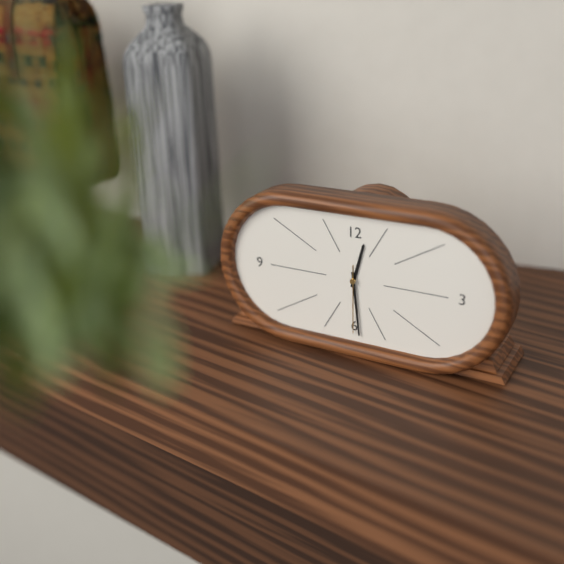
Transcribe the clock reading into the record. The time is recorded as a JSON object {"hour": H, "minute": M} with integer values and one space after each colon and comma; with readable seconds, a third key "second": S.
{"hour": 12, "minute": 29, "second": 30}
